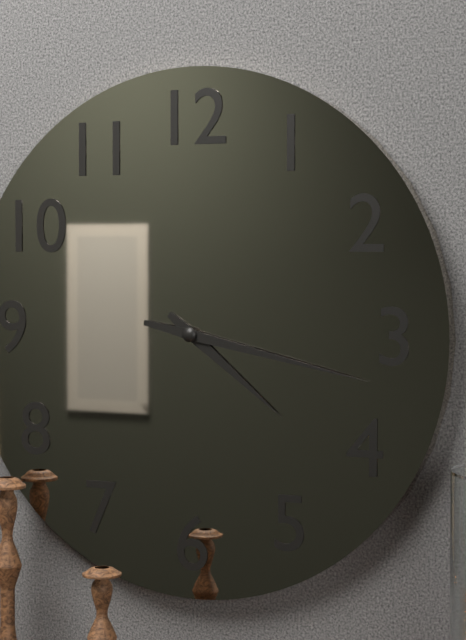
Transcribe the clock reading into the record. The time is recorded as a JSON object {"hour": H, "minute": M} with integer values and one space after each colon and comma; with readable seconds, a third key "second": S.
{"hour": 4, "minute": 17}
